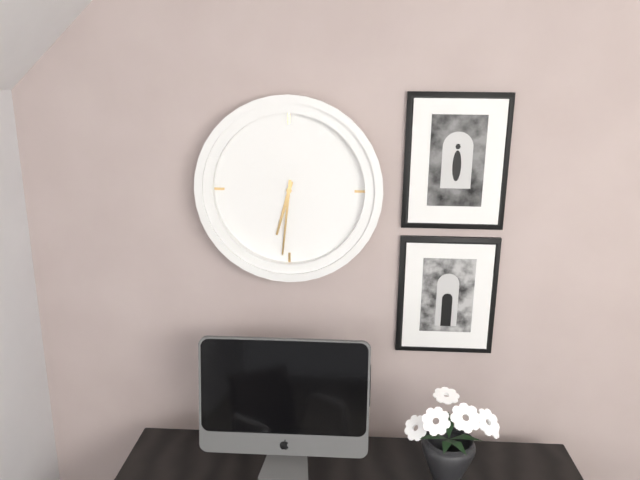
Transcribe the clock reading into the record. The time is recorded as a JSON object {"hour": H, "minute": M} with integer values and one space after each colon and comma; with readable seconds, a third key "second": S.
{"hour": 6, "minute": 31}
